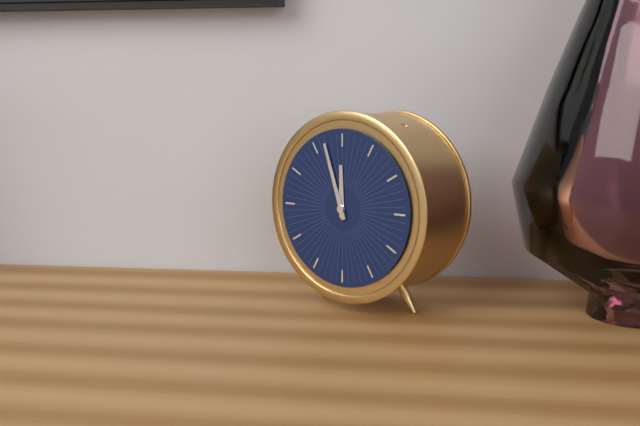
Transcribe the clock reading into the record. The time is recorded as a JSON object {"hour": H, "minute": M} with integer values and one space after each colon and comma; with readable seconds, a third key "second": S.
{"hour": 11, "minute": 57}
